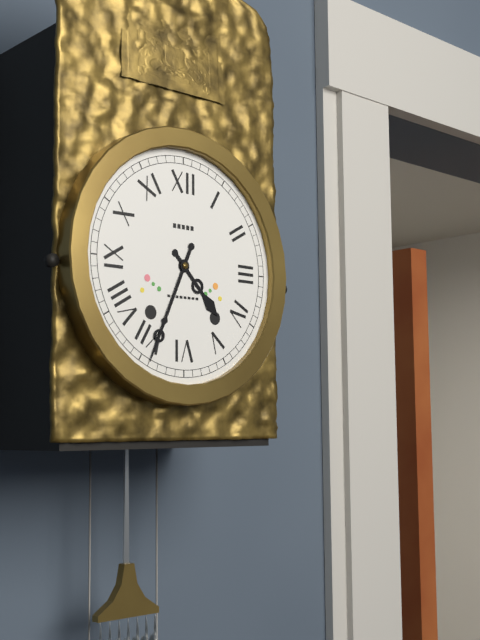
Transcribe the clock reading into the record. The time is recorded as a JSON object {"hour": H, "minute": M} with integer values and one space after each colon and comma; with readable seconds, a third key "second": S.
{"hour": 4, "minute": 34}
